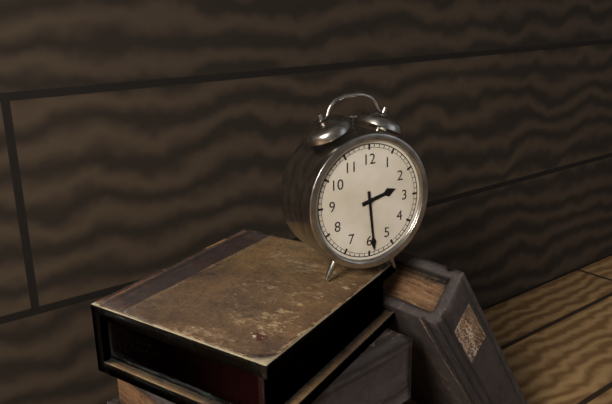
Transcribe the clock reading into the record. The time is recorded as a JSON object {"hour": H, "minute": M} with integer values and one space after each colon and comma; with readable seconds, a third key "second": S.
{"hour": 2, "minute": 29}
